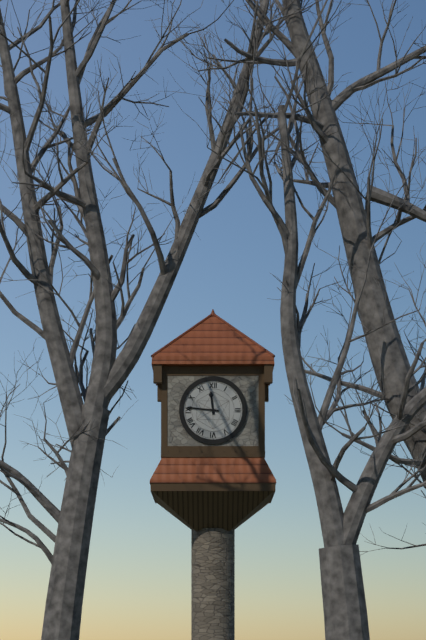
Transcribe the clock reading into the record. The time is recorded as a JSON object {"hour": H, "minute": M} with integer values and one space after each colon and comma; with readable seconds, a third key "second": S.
{"hour": 11, "minute": 46}
